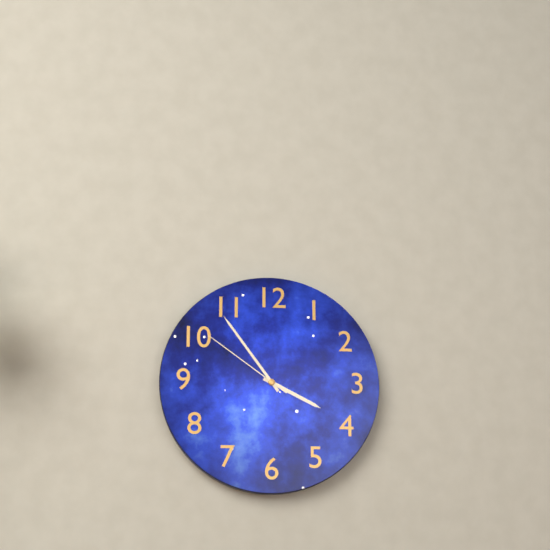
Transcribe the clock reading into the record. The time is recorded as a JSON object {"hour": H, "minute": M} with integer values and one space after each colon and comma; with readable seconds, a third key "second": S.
{"hour": 3, "minute": 54, "second": 51}
